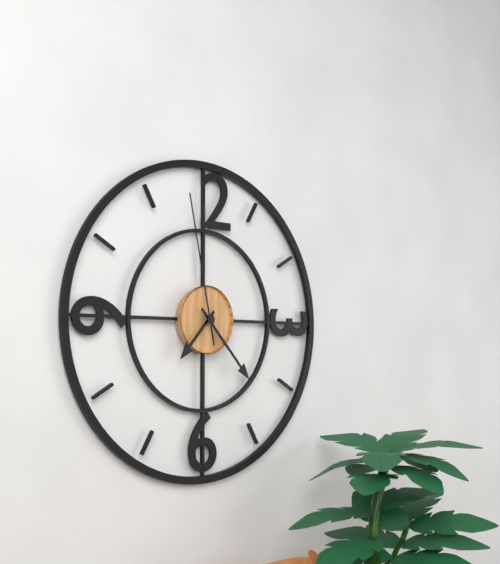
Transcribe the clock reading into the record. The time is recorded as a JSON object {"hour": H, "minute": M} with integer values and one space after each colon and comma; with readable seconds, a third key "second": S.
{"hour": 7, "minute": 23, "second": 58}
